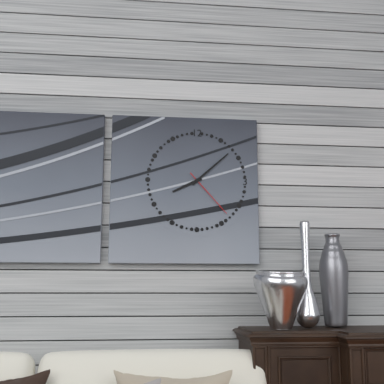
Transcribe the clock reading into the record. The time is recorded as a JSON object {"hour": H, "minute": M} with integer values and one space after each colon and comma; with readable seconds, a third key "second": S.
{"hour": 8, "minute": 8, "second": 23}
